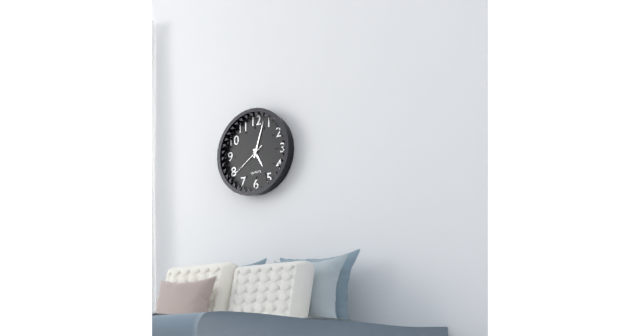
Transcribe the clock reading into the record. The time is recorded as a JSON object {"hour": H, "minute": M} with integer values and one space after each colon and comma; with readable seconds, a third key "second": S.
{"hour": 5, "minute": 3}
